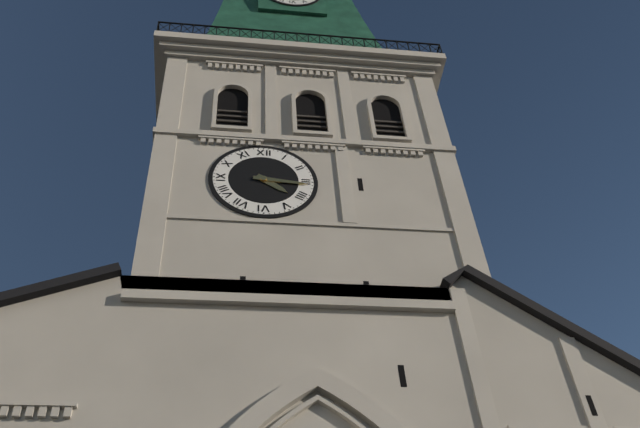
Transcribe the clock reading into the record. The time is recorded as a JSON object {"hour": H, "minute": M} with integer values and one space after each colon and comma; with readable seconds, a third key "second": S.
{"hour": 4, "minute": 16}
